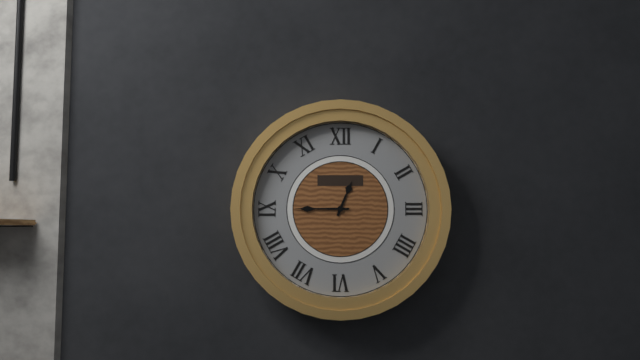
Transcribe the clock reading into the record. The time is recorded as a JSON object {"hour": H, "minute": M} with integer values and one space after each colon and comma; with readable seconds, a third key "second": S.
{"hour": 12, "minute": 45}
